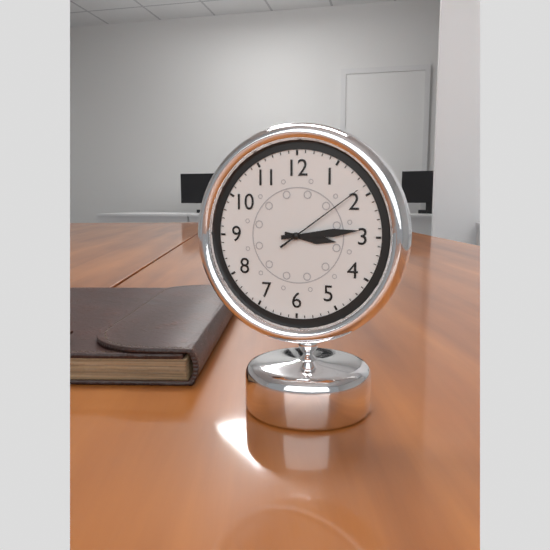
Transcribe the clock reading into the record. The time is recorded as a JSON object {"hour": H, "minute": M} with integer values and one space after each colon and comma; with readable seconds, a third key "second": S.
{"hour": 3, "minute": 14, "second": 9}
